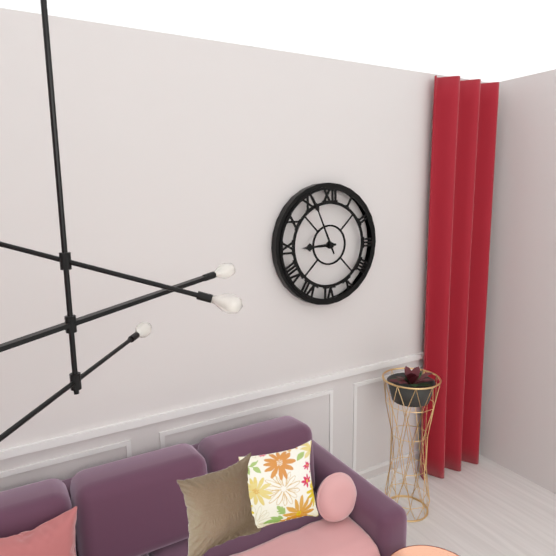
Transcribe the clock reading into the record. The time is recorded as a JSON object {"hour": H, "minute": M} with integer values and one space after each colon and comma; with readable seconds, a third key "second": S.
{"hour": 8, "minute": 56}
